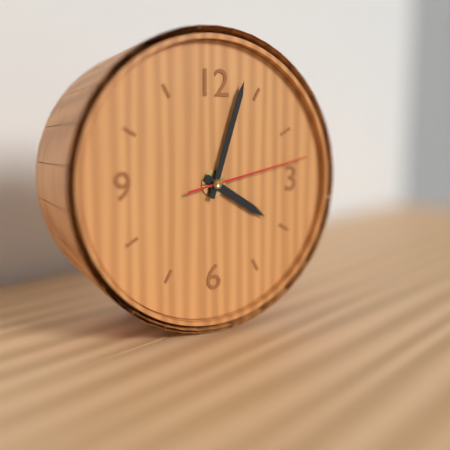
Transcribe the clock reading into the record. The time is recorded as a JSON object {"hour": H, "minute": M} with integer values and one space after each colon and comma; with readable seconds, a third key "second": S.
{"hour": 4, "minute": 3, "second": 13}
